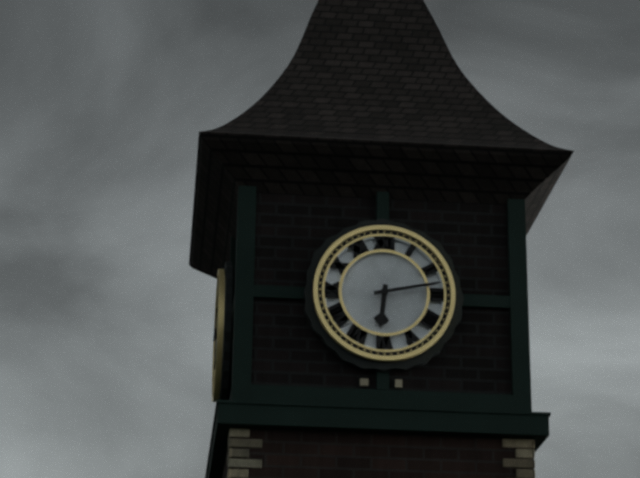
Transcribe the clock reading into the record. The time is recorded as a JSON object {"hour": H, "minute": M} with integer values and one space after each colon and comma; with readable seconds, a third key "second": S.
{"hour": 6, "minute": 13}
